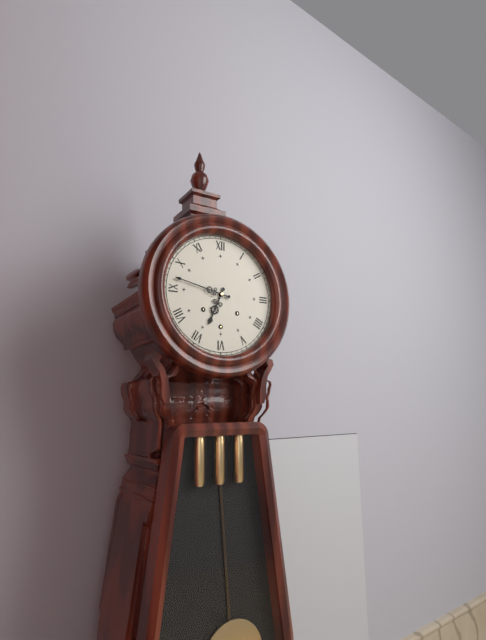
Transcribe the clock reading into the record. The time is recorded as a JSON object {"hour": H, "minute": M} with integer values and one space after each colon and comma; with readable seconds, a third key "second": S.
{"hour": 6, "minute": 47}
